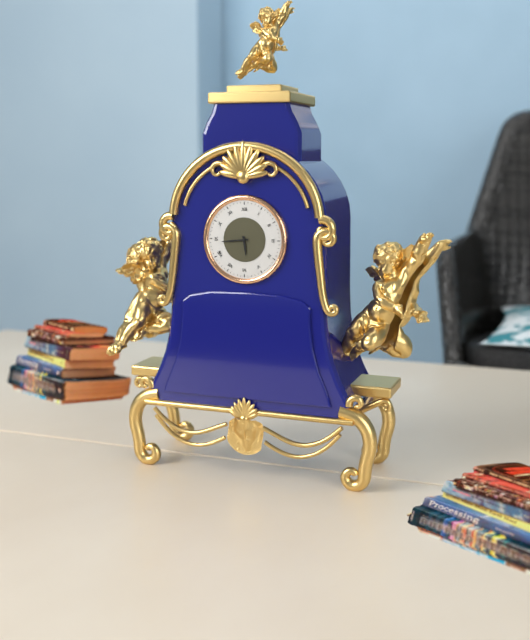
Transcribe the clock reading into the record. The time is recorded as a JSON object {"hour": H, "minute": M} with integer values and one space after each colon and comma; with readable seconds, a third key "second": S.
{"hour": 5, "minute": 44}
